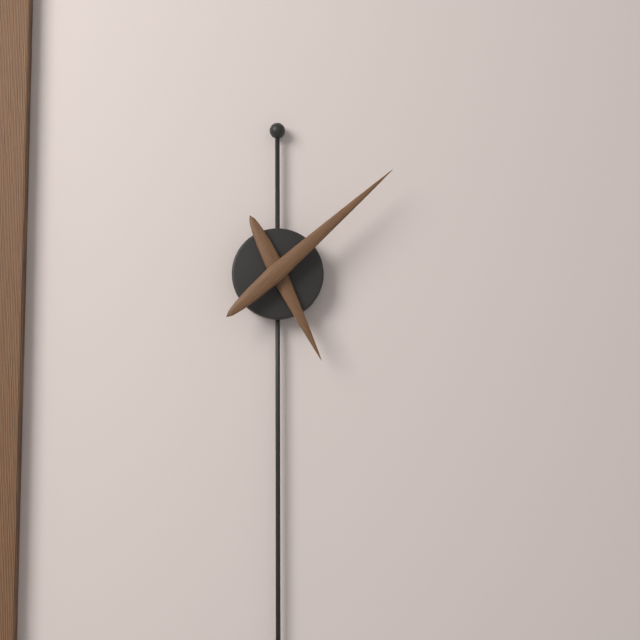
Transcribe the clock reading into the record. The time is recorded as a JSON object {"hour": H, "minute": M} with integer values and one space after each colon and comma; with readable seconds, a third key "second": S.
{"hour": 5, "minute": 8}
